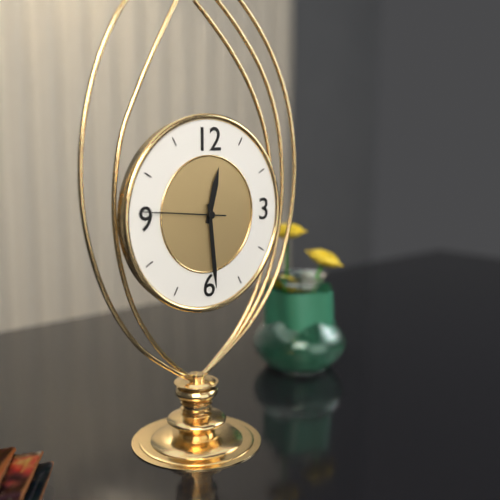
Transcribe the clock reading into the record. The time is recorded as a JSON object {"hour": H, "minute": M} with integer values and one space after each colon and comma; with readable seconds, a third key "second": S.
{"hour": 12, "minute": 29, "second": 46}
